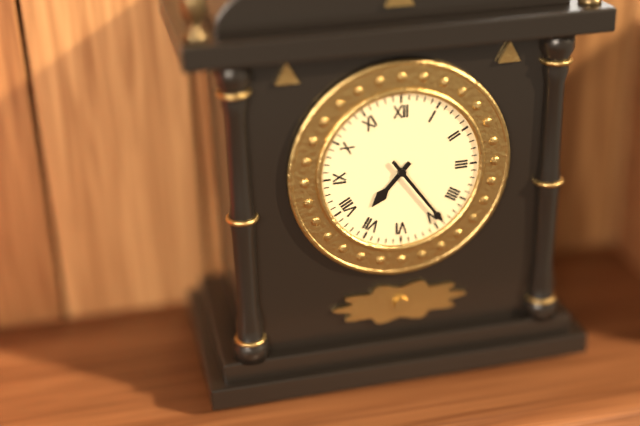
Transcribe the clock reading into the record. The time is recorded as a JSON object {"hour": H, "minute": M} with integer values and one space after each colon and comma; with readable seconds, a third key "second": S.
{"hour": 7, "minute": 24}
